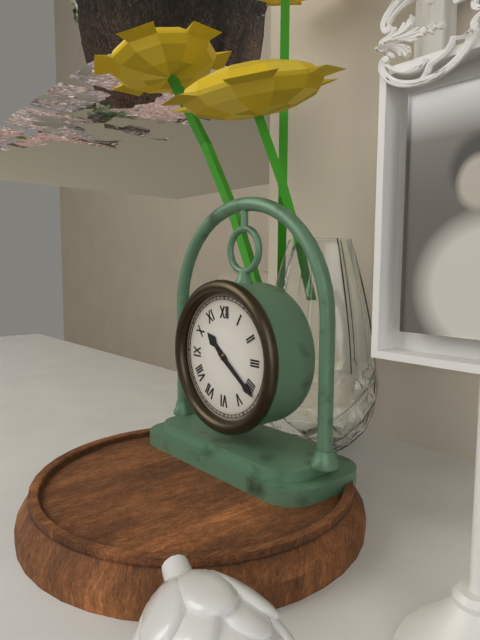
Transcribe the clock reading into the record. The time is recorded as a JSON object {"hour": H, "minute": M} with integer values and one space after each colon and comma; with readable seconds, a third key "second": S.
{"hour": 10, "minute": 21}
